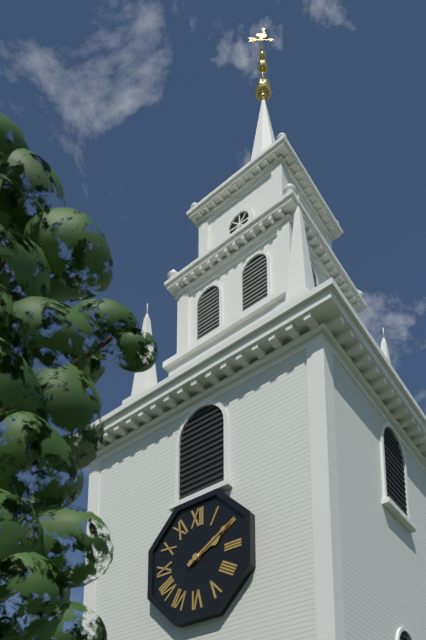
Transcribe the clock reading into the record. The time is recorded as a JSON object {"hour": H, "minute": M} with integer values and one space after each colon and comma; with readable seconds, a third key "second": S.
{"hour": 2, "minute": 10}
